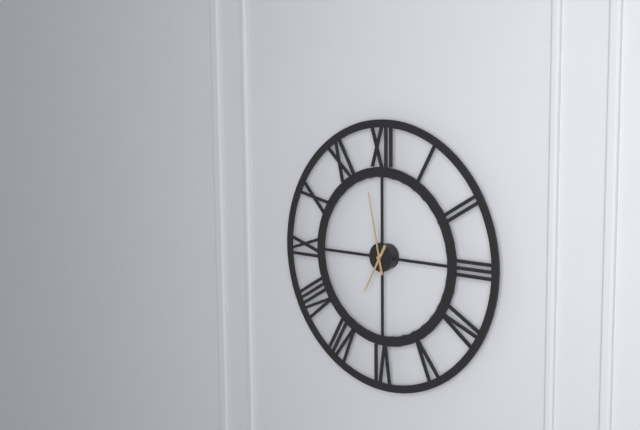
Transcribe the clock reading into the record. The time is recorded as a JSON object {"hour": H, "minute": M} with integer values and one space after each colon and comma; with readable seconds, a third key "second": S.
{"hour": 6, "minute": 58}
